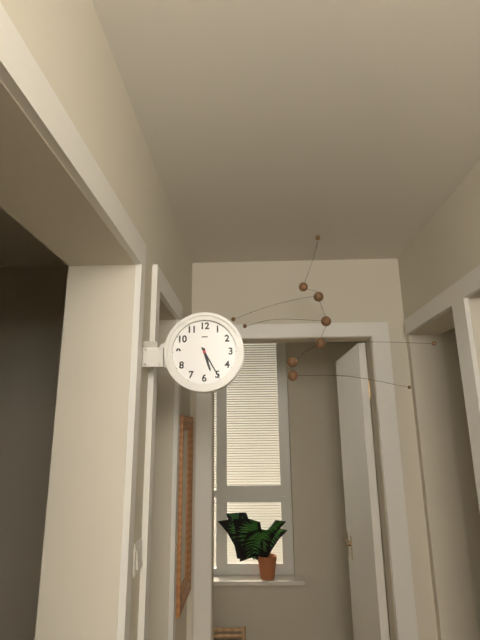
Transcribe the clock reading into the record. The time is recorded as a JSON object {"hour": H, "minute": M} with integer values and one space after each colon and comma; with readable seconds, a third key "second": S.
{"hour": 5, "minute": 25}
